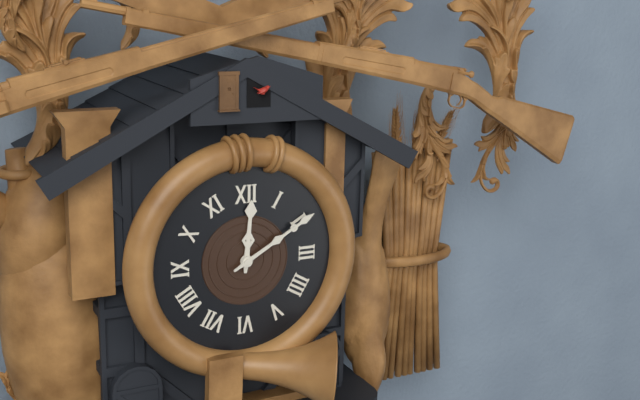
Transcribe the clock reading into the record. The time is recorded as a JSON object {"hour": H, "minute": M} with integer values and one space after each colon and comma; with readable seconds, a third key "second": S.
{"hour": 12, "minute": 10}
